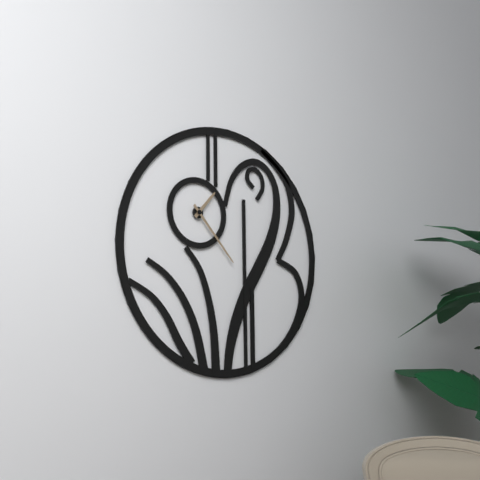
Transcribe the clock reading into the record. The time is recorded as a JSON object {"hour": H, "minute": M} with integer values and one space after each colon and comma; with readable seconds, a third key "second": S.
{"hour": 1, "minute": 23}
